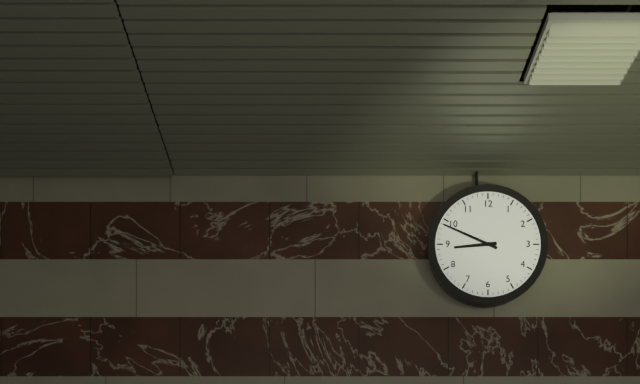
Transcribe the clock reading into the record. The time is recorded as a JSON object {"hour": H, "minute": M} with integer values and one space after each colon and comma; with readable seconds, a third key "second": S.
{"hour": 8, "minute": 49}
